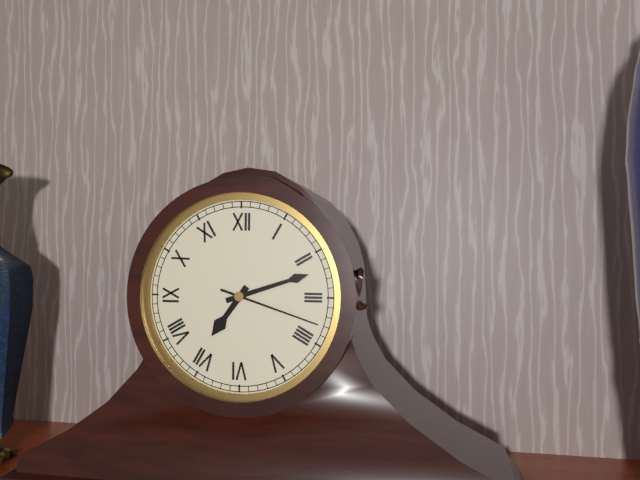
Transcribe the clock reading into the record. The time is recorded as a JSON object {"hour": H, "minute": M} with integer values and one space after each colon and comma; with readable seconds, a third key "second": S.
{"hour": 7, "minute": 12, "second": 18}
